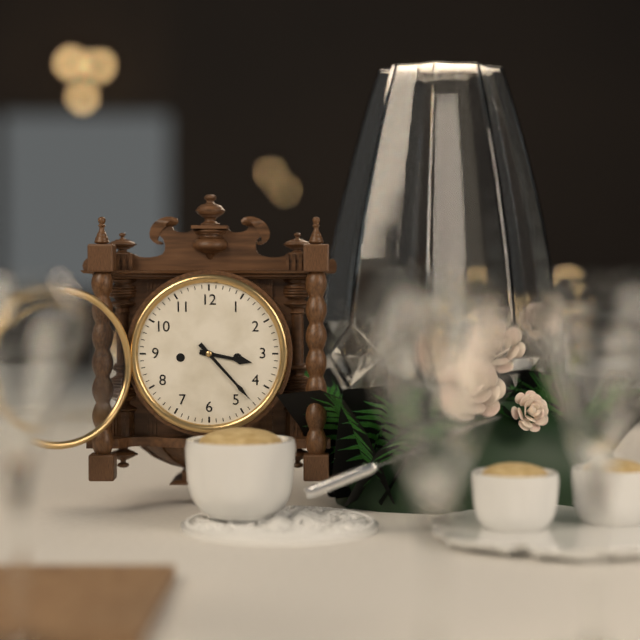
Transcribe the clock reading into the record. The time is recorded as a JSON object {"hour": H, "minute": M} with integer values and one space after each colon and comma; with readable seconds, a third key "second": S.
{"hour": 3, "minute": 23}
